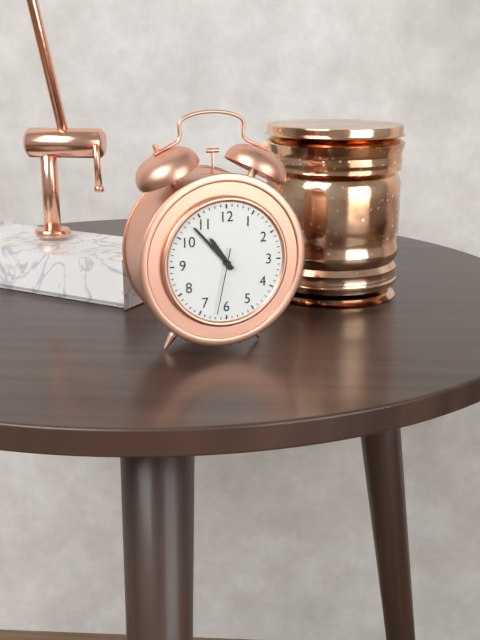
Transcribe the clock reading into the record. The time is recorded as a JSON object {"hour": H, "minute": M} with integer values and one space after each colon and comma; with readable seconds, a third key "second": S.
{"hour": 10, "minute": 53, "second": 32}
